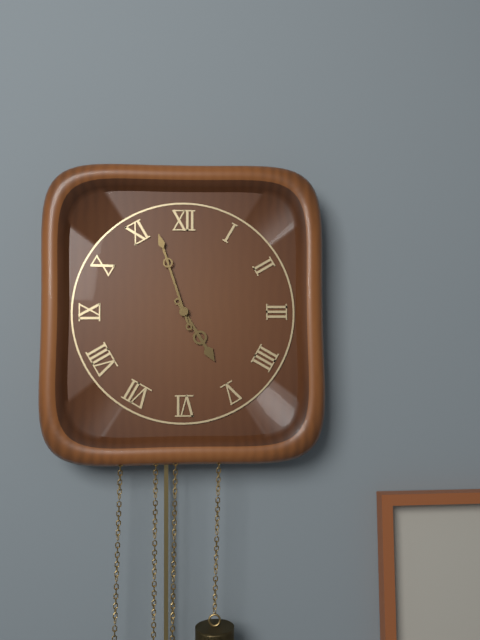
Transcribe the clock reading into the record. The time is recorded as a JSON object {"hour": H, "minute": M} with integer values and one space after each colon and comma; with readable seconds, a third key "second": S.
{"hour": 4, "minute": 57}
